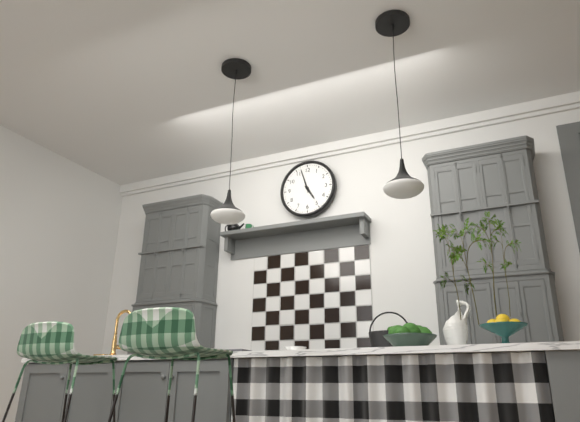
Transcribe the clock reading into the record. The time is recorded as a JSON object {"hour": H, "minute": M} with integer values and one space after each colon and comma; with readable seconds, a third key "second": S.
{"hour": 4, "minute": 57}
